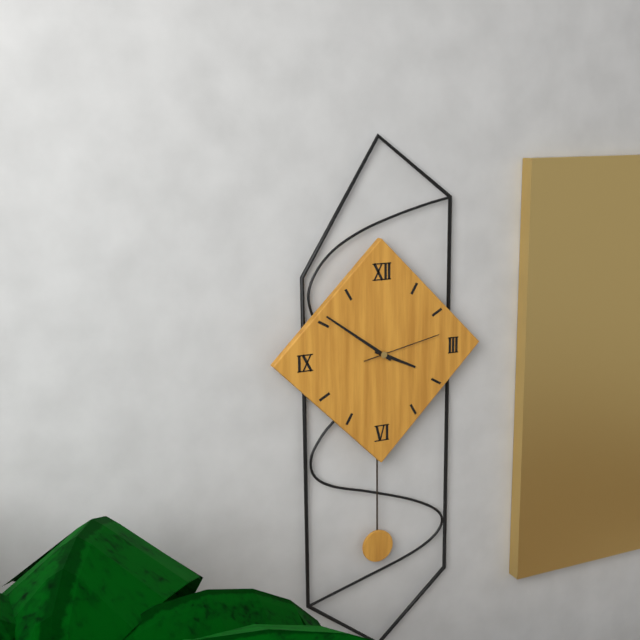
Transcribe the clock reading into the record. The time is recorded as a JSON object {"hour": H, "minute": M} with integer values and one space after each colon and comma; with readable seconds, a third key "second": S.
{"hour": 3, "minute": 51, "second": 13}
